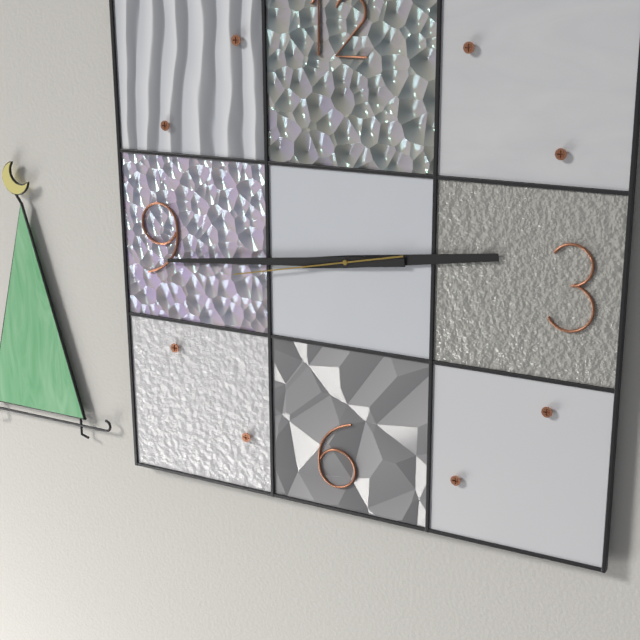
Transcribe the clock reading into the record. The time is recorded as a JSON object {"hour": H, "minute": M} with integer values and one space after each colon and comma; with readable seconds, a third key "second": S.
{"hour": 2, "minute": 44, "second": 43}
